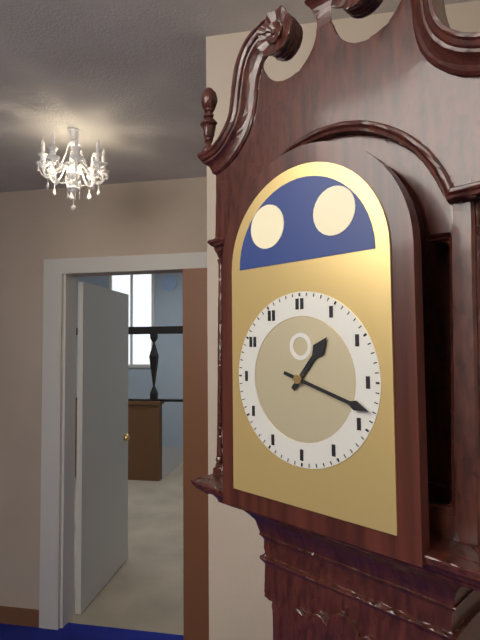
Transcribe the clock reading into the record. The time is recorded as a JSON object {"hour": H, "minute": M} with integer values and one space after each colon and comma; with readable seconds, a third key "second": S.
{"hour": 1, "minute": 18}
